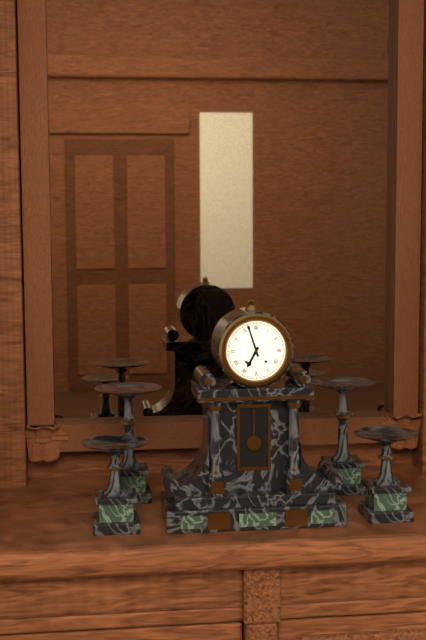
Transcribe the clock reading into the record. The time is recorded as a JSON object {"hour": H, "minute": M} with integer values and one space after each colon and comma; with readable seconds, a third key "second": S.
{"hour": 6, "minute": 57}
